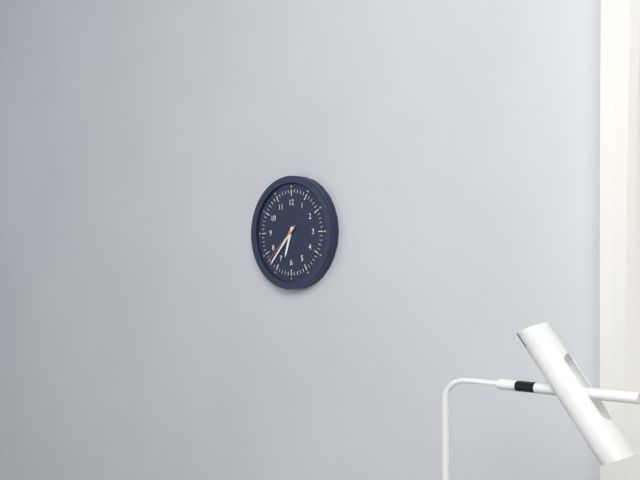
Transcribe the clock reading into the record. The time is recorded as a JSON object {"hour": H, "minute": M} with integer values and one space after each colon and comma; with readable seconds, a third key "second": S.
{"hour": 6, "minute": 37}
